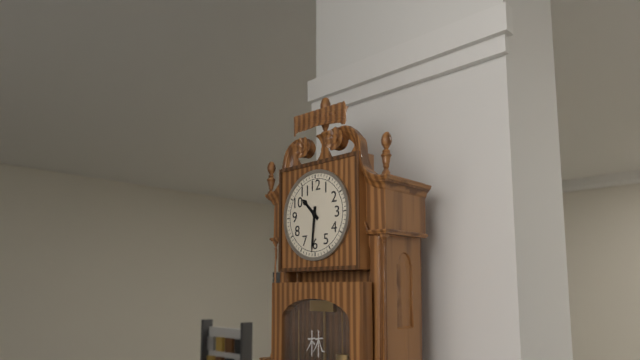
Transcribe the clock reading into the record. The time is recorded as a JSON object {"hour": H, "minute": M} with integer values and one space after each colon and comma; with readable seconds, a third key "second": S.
{"hour": 10, "minute": 31}
